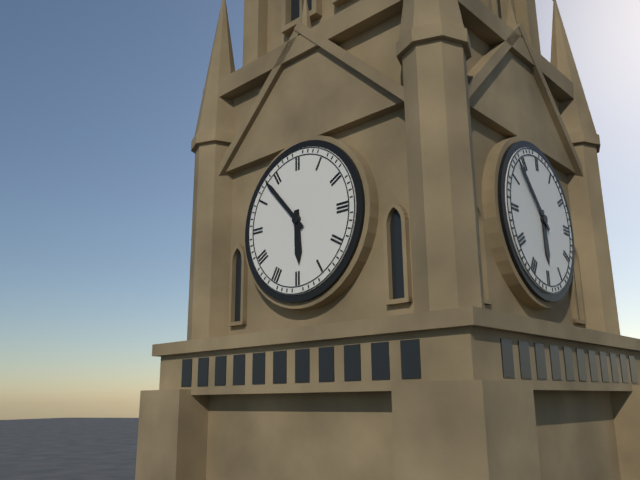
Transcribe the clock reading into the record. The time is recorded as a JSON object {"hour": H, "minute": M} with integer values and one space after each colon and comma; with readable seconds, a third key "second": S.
{"hour": 5, "minute": 53}
